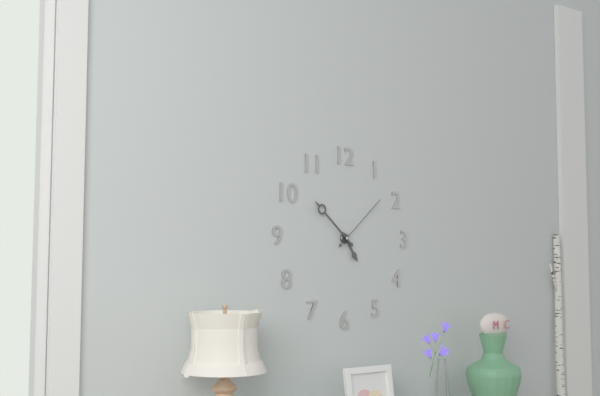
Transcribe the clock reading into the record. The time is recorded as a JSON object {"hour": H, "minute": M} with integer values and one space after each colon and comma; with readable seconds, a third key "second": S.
{"hour": 4, "minute": 52, "second": 8}
